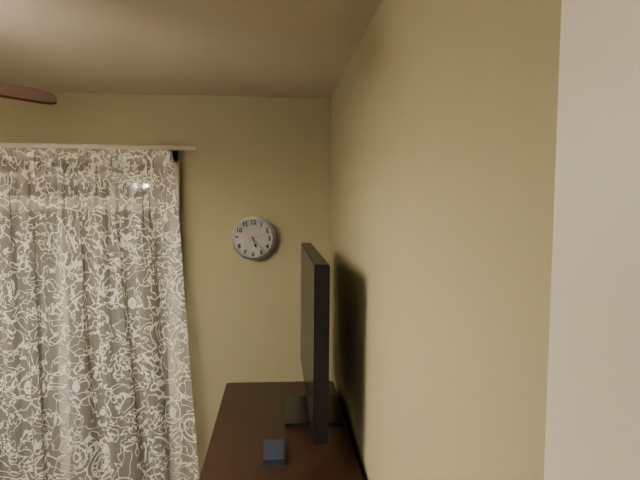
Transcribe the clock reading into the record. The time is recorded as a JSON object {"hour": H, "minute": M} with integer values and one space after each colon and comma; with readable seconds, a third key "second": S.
{"hour": 5, "minute": 23}
